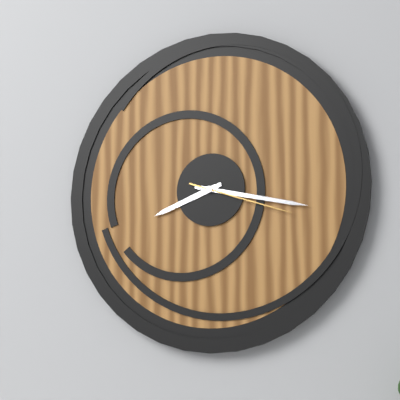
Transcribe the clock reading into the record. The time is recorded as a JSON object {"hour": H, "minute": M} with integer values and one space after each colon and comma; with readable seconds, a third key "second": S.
{"hour": 8, "minute": 17, "second": 18}
